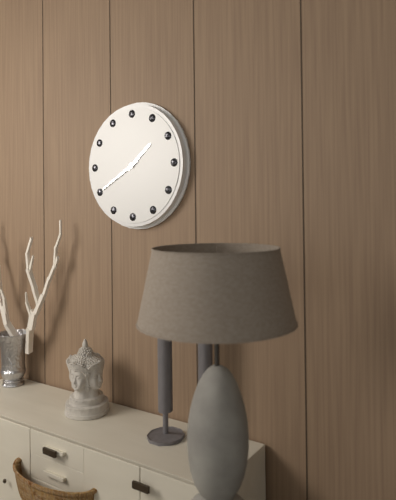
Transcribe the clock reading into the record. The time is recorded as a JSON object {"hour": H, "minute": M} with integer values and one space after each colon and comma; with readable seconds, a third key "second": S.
{"hour": 1, "minute": 40}
